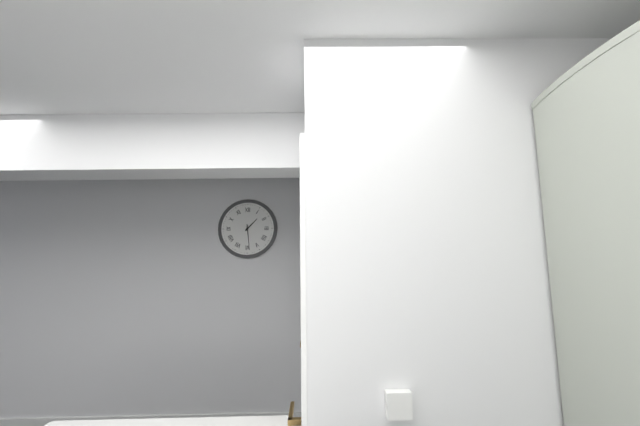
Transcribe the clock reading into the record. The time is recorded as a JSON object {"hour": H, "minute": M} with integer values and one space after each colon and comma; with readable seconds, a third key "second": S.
{"hour": 1, "minute": 29}
